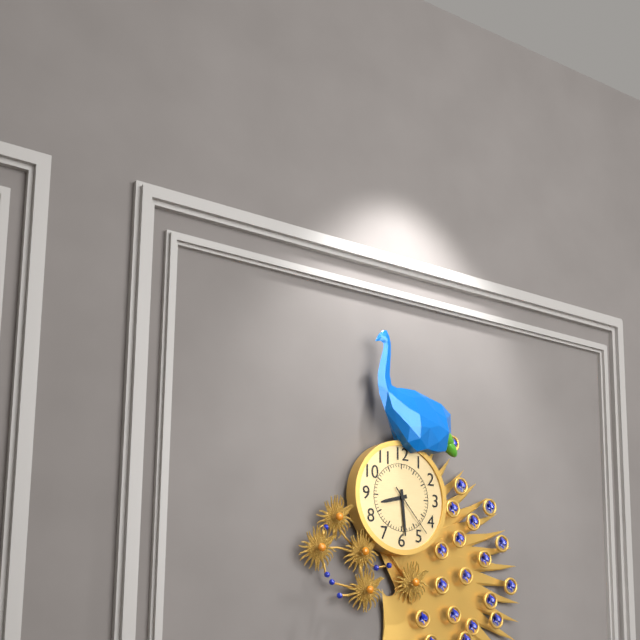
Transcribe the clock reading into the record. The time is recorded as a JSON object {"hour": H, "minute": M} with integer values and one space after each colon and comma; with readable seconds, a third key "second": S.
{"hour": 8, "minute": 29, "second": 23}
